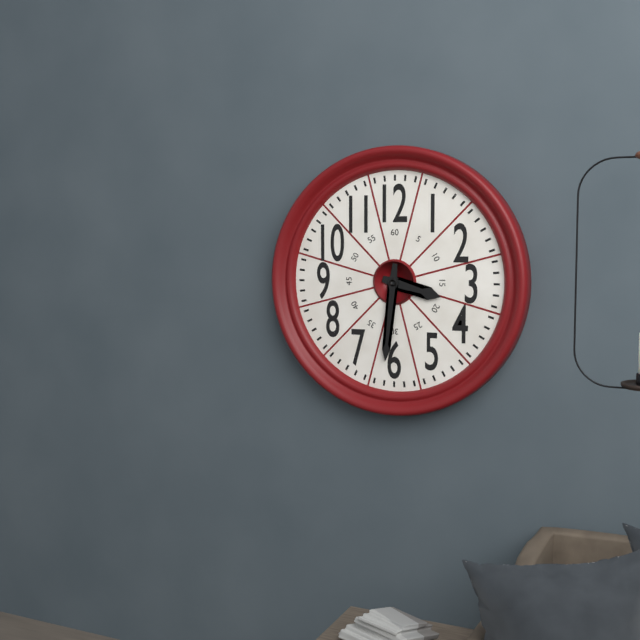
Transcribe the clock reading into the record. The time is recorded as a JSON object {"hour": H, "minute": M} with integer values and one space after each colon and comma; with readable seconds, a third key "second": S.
{"hour": 3, "minute": 31}
